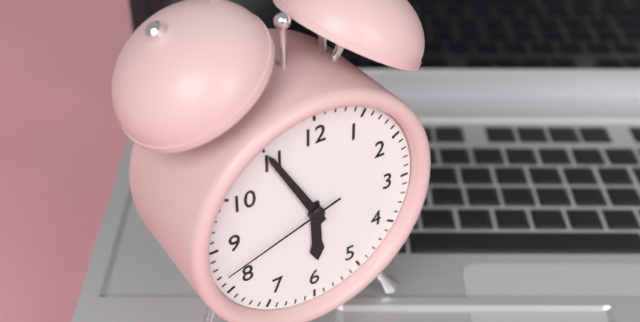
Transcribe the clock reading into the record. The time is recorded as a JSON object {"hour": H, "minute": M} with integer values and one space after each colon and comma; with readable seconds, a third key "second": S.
{"hour": 5, "minute": 55, "second": 42}
